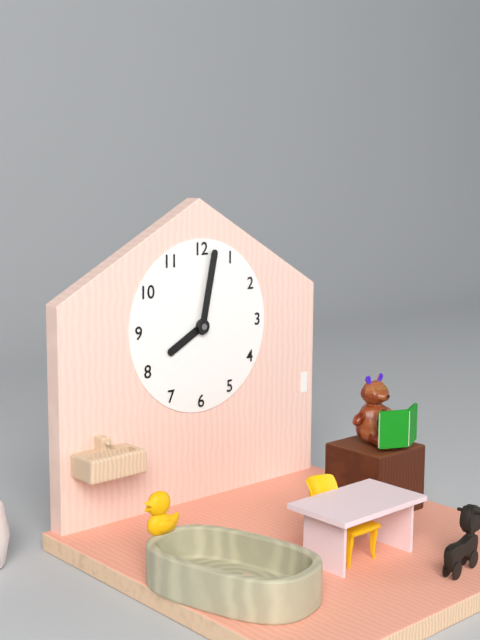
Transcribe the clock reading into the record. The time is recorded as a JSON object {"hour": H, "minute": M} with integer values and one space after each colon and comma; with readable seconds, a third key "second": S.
{"hour": 8, "minute": 2}
